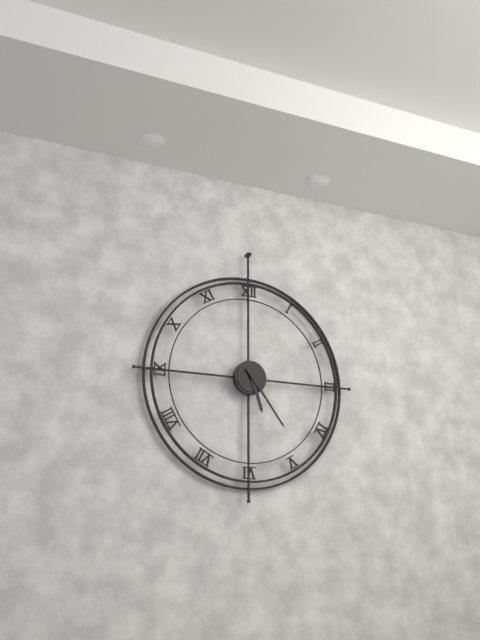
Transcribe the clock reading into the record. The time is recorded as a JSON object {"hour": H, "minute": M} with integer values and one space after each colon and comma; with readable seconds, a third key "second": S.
{"hour": 5, "minute": 24}
